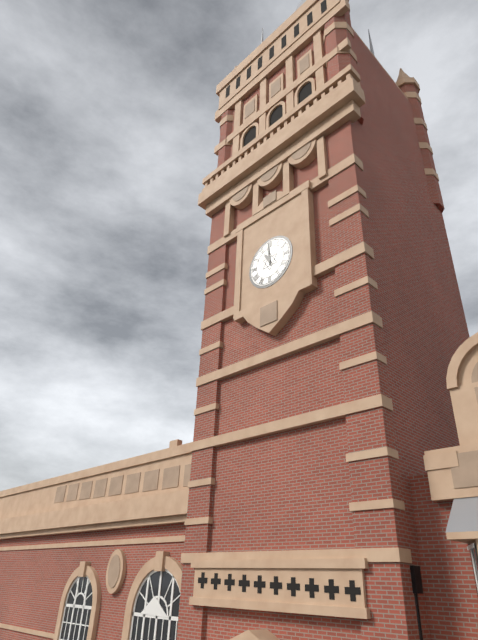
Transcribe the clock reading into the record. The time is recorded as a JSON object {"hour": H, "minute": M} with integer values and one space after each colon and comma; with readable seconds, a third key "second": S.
{"hour": 10, "minute": 59}
